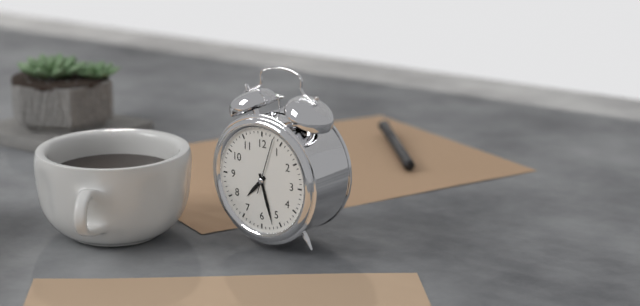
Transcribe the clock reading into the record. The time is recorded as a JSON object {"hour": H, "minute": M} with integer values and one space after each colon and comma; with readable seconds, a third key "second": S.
{"hour": 7, "minute": 27, "second": 3}
